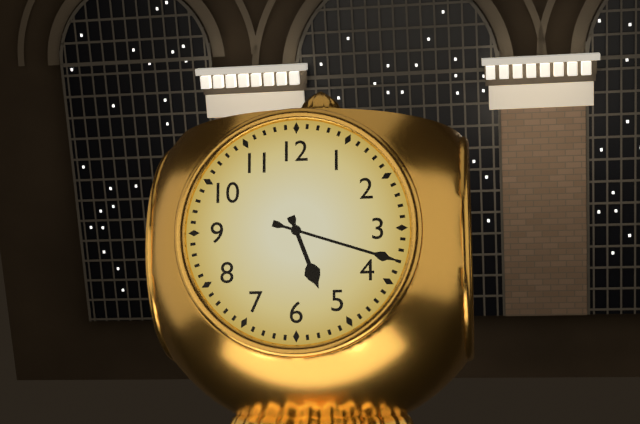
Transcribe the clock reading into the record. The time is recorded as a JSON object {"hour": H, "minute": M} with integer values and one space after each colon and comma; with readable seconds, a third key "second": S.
{"hour": 5, "minute": 18}
